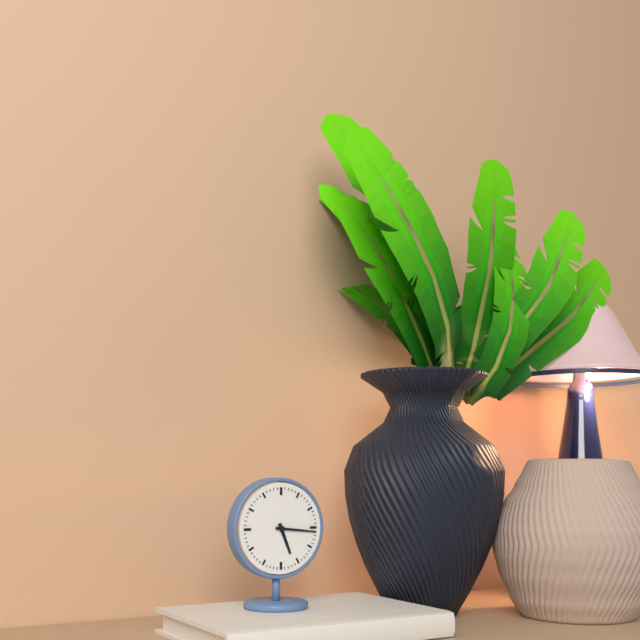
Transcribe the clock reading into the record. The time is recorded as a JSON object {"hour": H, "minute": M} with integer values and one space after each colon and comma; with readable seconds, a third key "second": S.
{"hour": 5, "minute": 16}
